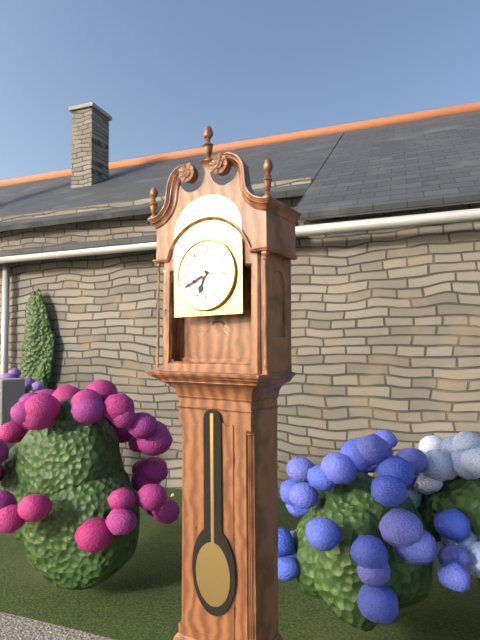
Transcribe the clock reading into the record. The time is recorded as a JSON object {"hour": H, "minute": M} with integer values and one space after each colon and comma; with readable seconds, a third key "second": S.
{"hour": 6, "minute": 41}
